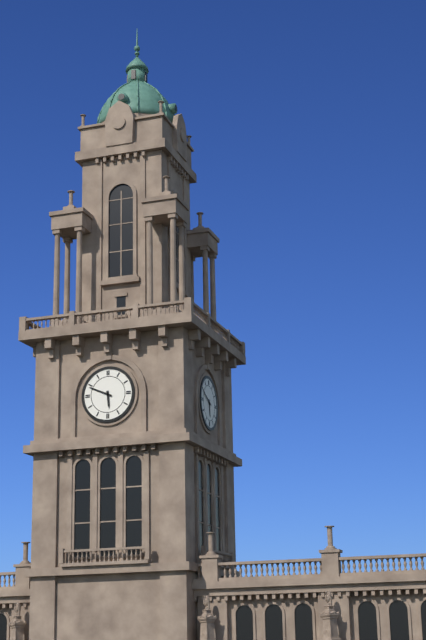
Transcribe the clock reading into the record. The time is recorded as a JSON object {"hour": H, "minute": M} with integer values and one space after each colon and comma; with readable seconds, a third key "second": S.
{"hour": 5, "minute": 49}
